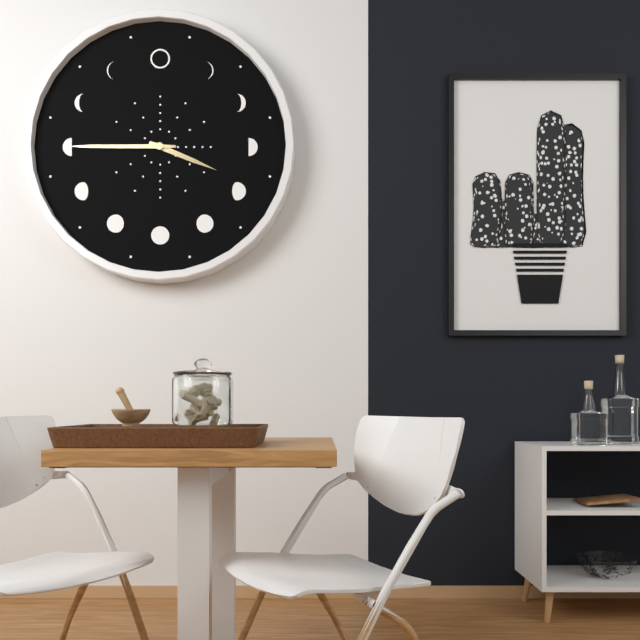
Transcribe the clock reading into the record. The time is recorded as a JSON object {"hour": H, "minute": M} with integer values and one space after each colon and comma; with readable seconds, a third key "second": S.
{"hour": 3, "minute": 45}
